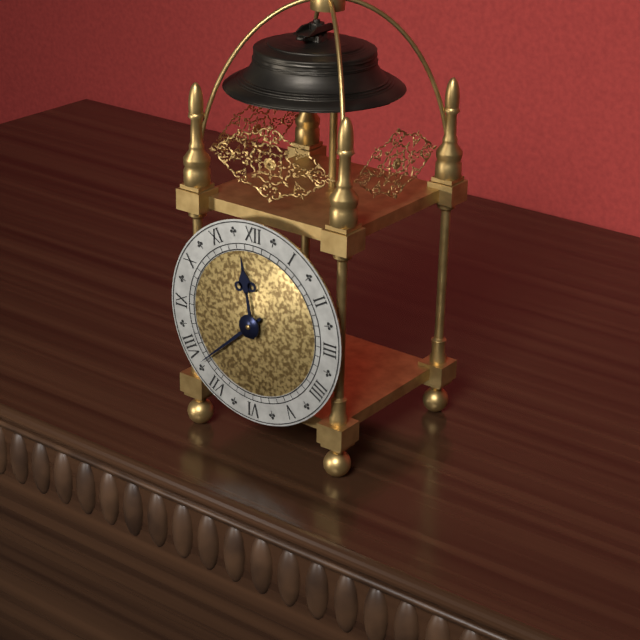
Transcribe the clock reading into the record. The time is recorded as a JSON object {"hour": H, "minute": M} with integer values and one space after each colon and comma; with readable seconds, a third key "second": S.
{"hour": 11, "minute": 38}
